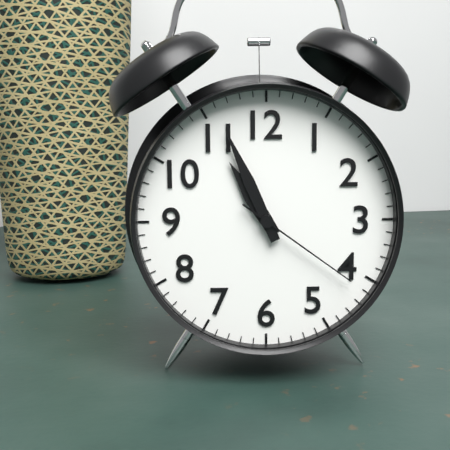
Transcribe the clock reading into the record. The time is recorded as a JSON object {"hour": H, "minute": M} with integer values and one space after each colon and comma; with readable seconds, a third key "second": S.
{"hour": 10, "minute": 56, "second": 21}
